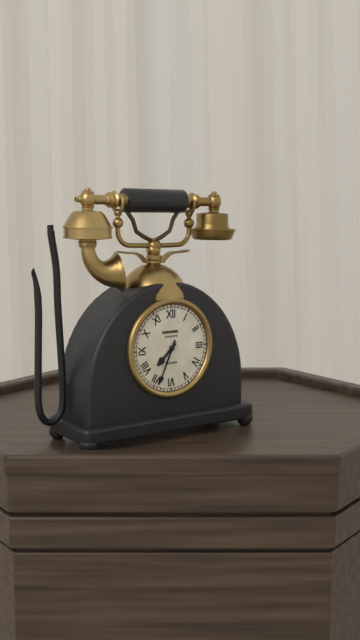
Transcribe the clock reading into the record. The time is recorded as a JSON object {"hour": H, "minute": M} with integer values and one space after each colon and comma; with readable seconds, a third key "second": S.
{"hour": 7, "minute": 34}
